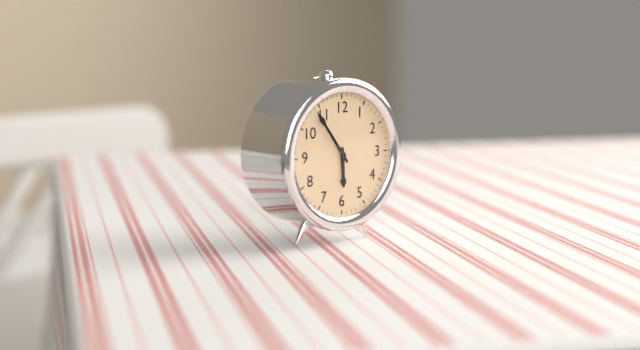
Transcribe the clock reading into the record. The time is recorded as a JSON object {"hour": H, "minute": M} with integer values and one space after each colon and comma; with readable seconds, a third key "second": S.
{"hour": 5, "minute": 54}
